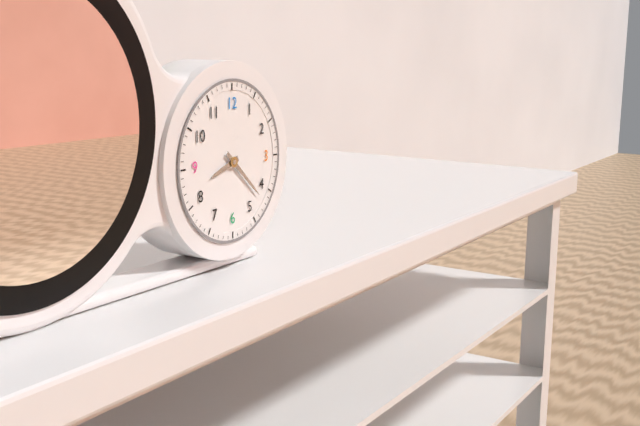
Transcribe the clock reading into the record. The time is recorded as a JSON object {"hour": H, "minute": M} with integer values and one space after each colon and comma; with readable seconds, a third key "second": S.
{"hour": 8, "minute": 22}
